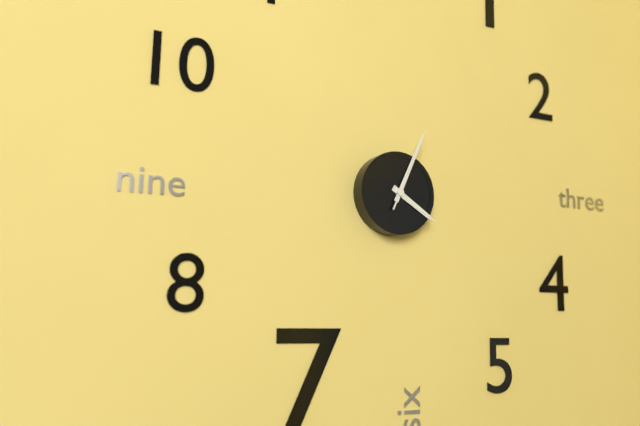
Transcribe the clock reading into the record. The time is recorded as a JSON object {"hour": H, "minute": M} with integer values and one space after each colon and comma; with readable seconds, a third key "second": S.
{"hour": 4, "minute": 4, "second": 4}
